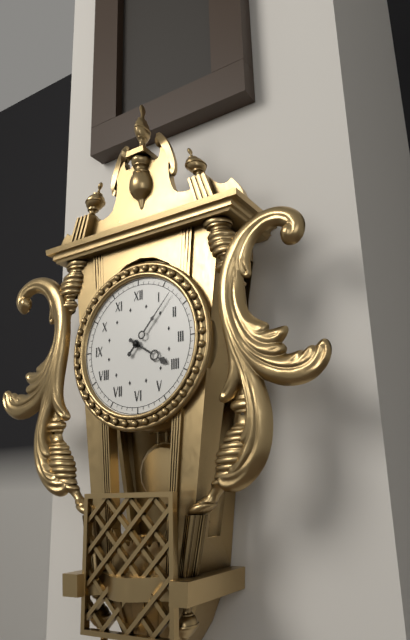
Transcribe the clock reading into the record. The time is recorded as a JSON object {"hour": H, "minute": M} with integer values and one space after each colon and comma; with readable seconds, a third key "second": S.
{"hour": 4, "minute": 7}
